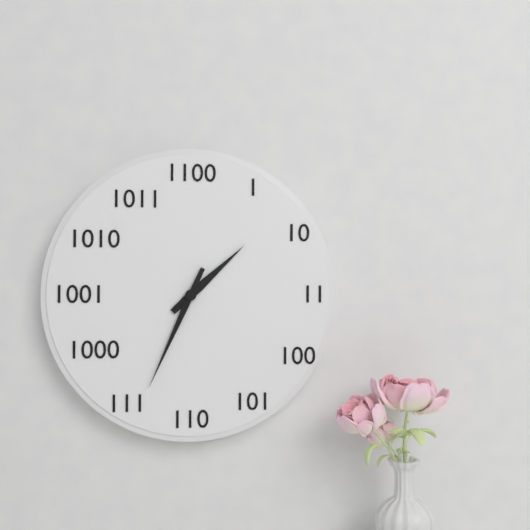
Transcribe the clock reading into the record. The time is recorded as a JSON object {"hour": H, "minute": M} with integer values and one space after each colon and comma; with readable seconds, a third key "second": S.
{"hour": 1, "minute": 34}
